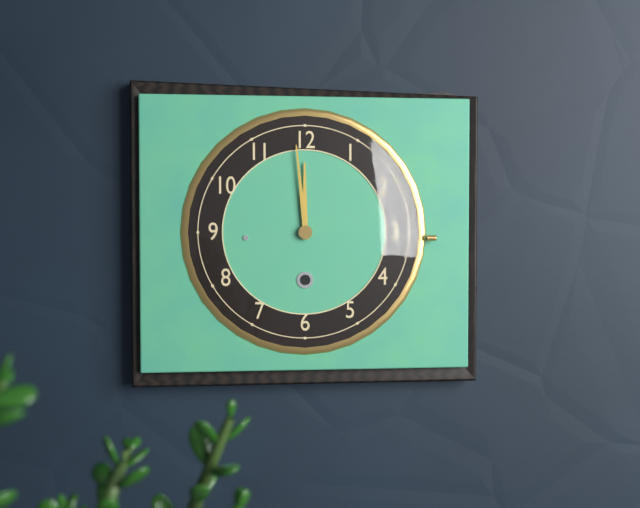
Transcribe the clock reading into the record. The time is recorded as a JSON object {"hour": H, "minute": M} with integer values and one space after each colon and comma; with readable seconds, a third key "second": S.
{"hour": 11, "minute": 59}
